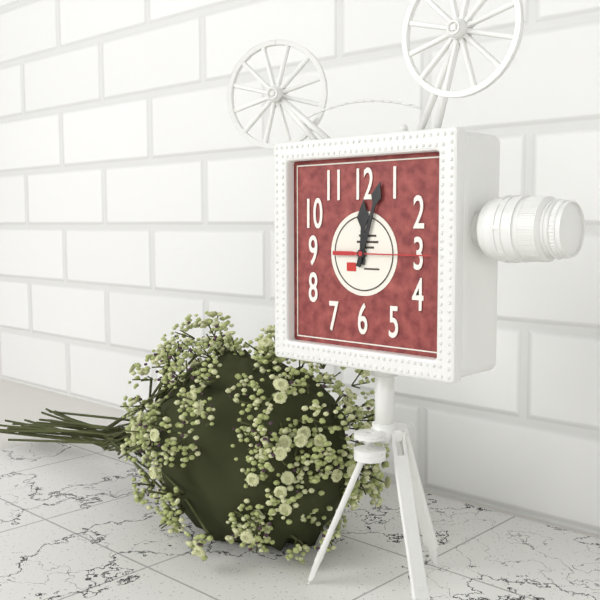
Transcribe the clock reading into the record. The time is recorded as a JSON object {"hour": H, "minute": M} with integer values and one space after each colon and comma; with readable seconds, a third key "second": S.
{"hour": 12, "minute": 3, "second": 15}
